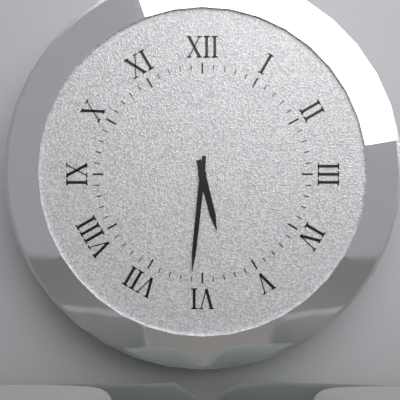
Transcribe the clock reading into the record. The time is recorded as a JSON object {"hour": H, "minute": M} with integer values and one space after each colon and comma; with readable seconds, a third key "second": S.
{"hour": 5, "minute": 31}
